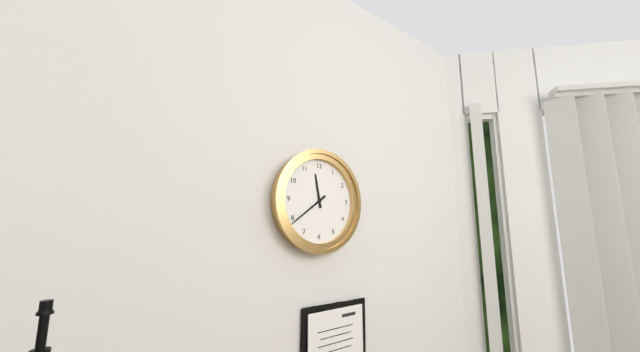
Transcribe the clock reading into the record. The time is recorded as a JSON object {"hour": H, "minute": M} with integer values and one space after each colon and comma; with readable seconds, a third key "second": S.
{"hour": 11, "minute": 39}
